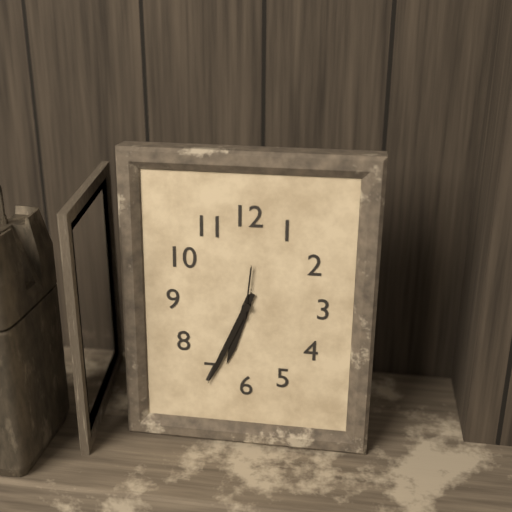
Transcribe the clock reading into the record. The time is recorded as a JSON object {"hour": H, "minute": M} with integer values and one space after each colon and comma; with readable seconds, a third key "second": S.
{"hour": 6, "minute": 34, "second": 1}
